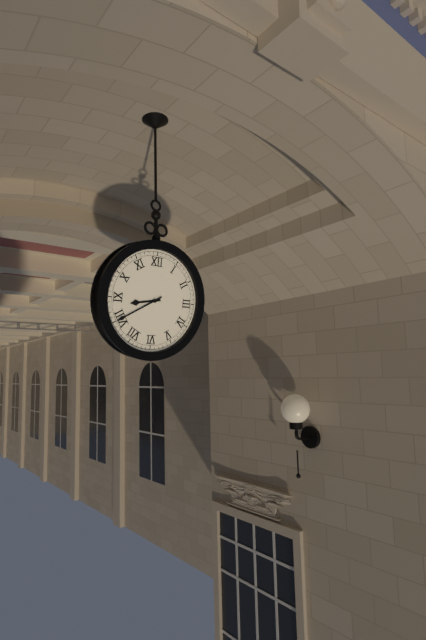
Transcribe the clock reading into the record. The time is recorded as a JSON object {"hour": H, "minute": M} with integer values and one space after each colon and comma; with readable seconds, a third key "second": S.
{"hour": 8, "minute": 40}
